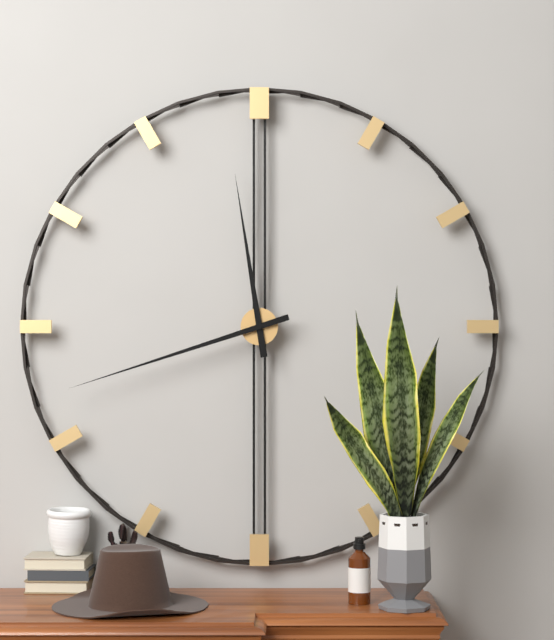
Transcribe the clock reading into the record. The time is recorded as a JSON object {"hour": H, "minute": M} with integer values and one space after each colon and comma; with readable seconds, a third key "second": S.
{"hour": 11, "minute": 42}
